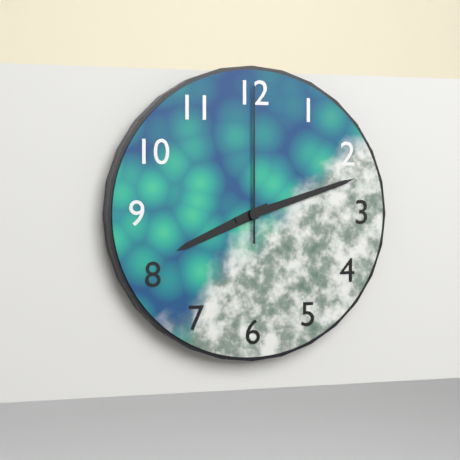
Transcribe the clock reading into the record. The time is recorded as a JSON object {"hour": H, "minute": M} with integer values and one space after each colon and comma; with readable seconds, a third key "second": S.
{"hour": 8, "minute": 12, "second": 0}
